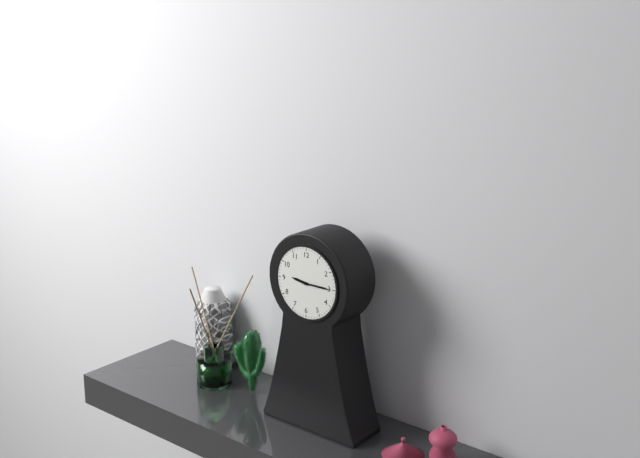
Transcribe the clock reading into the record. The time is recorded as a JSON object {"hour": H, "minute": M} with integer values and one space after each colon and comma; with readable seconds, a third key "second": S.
{"hour": 9, "minute": 15}
